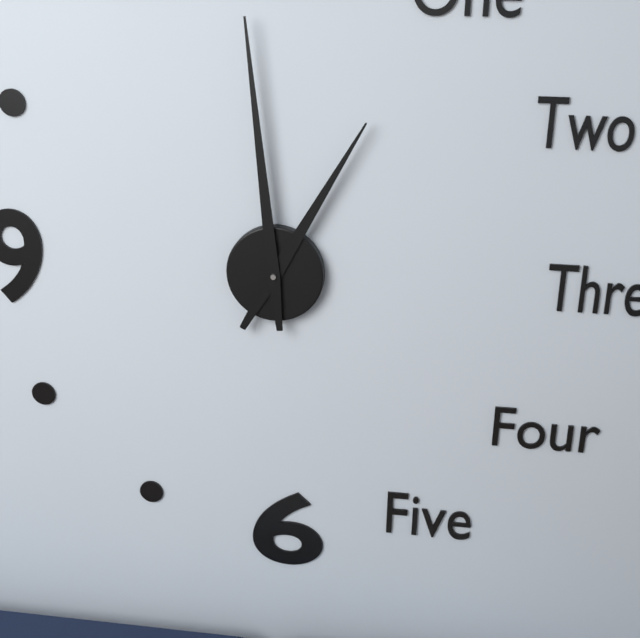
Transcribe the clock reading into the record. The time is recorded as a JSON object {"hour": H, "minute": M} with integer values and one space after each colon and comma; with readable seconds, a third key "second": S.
{"hour": 12, "minute": 59}
